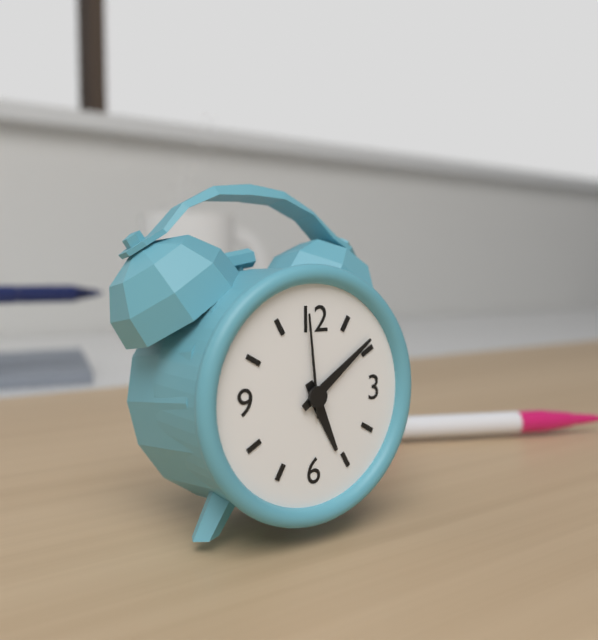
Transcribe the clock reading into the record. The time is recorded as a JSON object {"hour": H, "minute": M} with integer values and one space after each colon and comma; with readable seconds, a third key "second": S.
{"hour": 5, "minute": 9, "second": 59}
